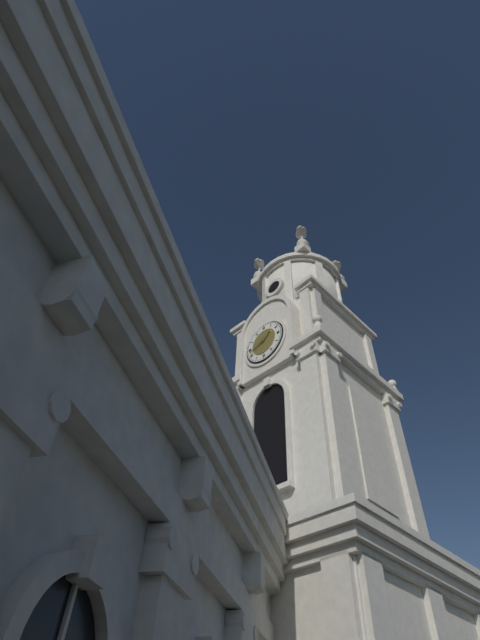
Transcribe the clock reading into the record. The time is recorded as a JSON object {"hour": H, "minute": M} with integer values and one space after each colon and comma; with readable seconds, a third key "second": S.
{"hour": 1, "minute": 42}
